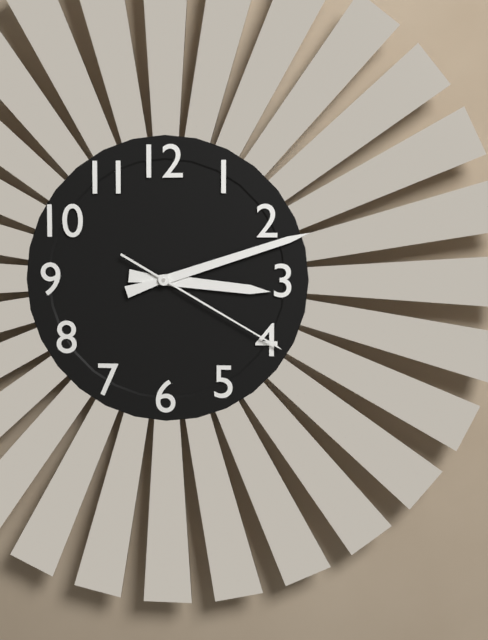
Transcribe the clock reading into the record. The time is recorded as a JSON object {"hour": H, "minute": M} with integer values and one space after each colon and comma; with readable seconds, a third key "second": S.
{"hour": 3, "minute": 12, "second": 20}
